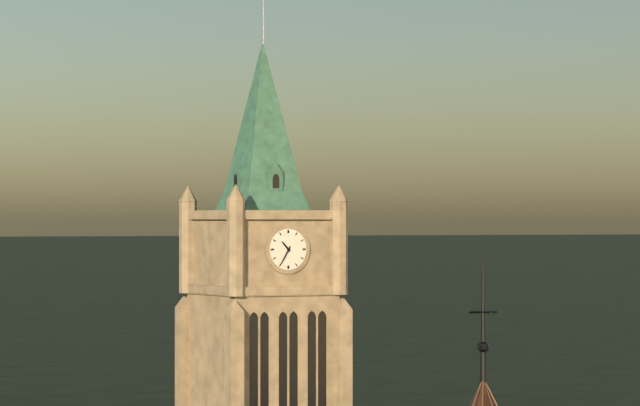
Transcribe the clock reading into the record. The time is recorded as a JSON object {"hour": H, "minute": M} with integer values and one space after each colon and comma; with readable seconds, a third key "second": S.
{"hour": 10, "minute": 35}
